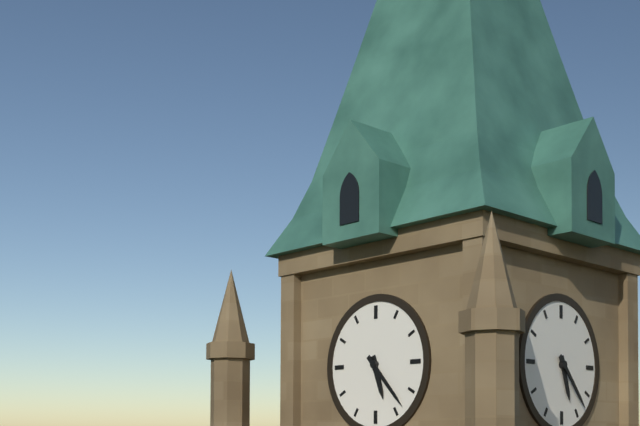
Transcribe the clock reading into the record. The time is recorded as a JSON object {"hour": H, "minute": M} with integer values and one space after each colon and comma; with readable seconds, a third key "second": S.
{"hour": 5, "minute": 23}
